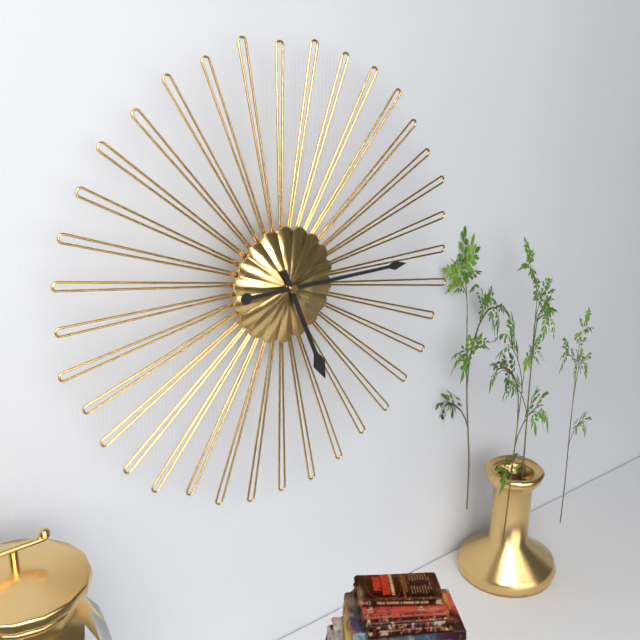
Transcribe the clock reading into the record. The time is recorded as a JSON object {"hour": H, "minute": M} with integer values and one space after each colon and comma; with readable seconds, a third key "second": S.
{"hour": 5, "minute": 15}
